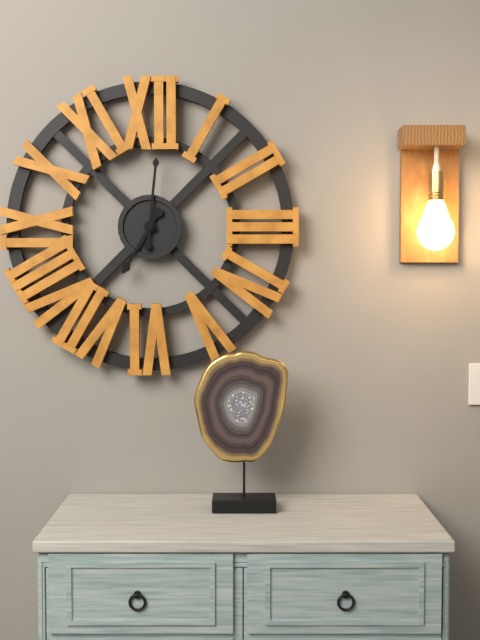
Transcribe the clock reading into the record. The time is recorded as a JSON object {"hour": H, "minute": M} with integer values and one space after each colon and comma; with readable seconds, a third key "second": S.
{"hour": 7, "minute": 1}
